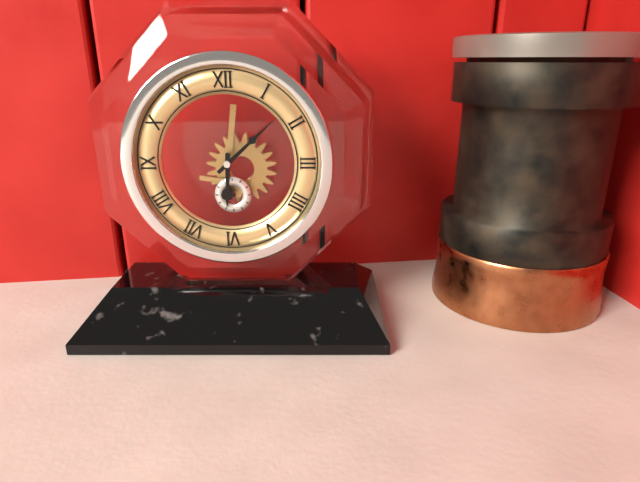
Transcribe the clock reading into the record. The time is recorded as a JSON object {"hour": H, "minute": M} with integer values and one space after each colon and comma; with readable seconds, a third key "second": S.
{"hour": 6, "minute": 8}
